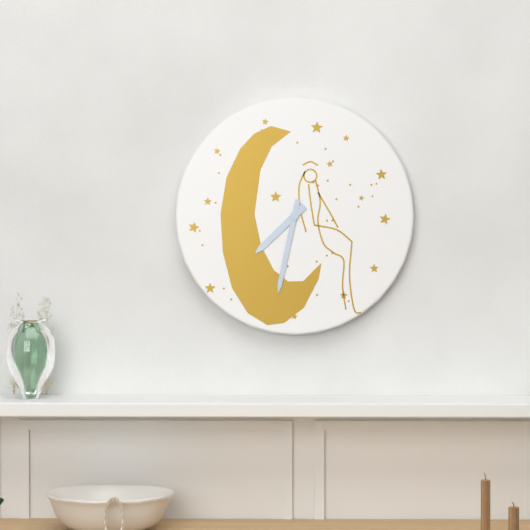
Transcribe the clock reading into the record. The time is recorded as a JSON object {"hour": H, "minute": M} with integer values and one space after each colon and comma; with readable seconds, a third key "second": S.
{"hour": 7, "minute": 32}
